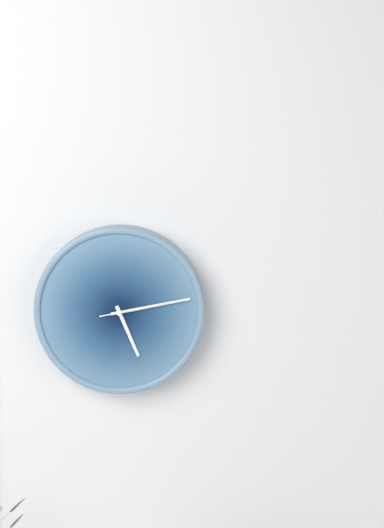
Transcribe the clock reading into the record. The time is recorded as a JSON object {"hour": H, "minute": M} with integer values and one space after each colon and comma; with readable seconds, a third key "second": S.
{"hour": 5, "minute": 13, "second": 13}
